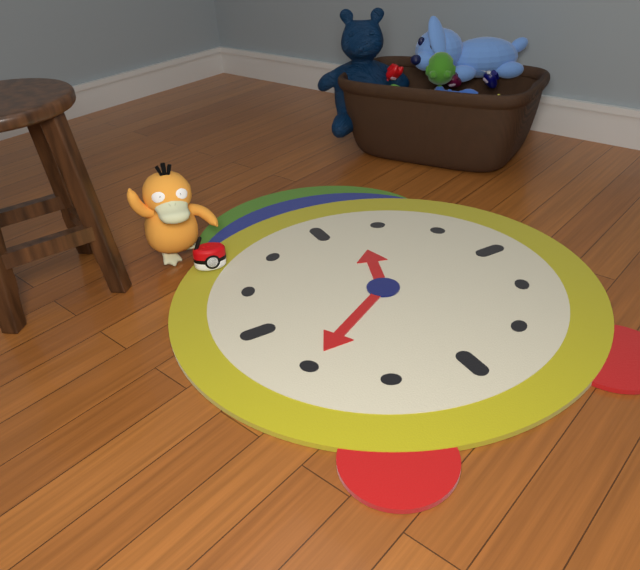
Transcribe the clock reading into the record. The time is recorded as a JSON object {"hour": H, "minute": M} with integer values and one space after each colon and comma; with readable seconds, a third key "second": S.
{"hour": 12, "minute": 40}
